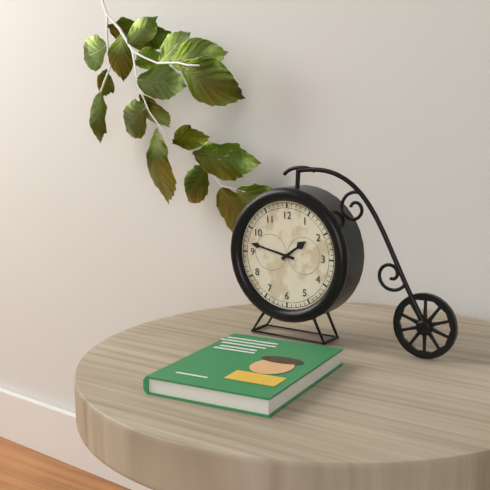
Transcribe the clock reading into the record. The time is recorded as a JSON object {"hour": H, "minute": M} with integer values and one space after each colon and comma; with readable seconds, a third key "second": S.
{"hour": 1, "minute": 47}
